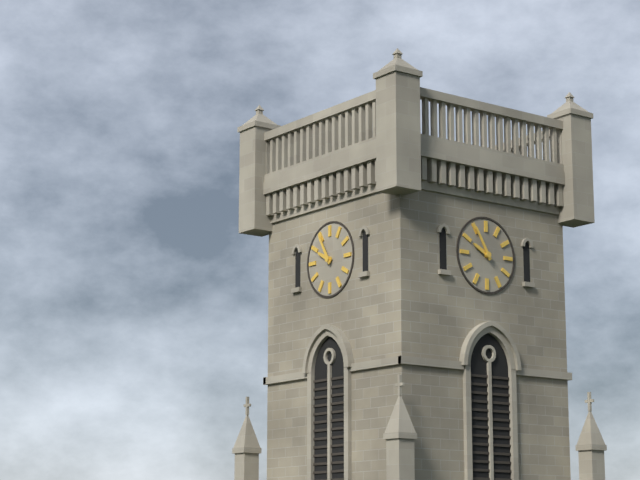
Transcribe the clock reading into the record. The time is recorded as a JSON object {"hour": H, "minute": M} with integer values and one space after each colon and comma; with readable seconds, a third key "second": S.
{"hour": 9, "minute": 55}
